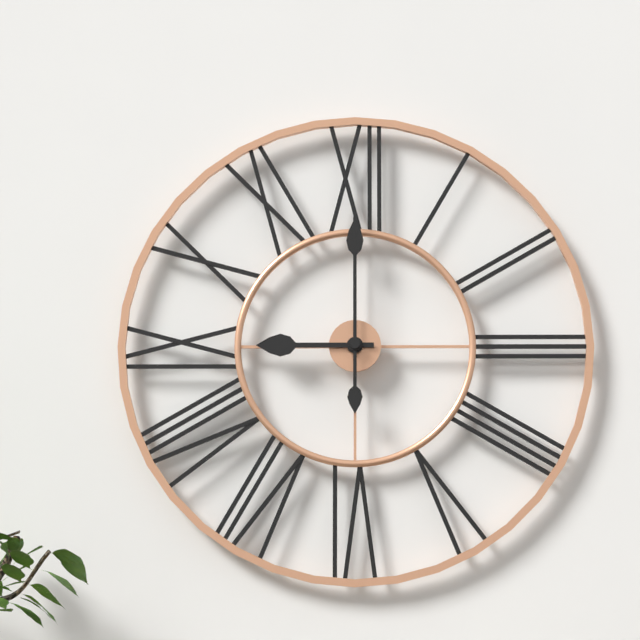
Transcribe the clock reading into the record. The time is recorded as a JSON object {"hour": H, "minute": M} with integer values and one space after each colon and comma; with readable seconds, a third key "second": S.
{"hour": 9, "minute": 0}
